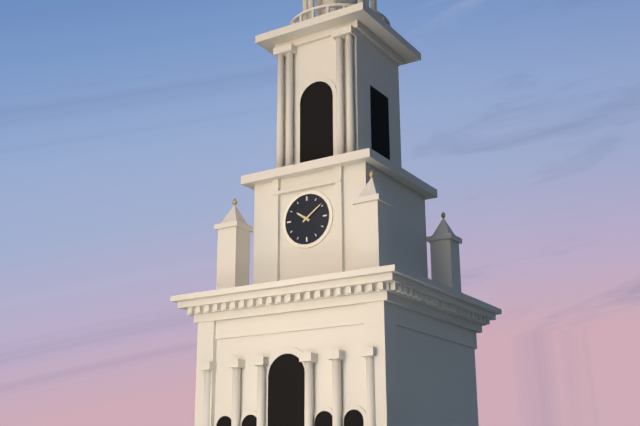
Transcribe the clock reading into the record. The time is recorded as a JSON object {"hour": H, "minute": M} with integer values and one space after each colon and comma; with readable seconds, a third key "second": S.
{"hour": 10, "minute": 9}
